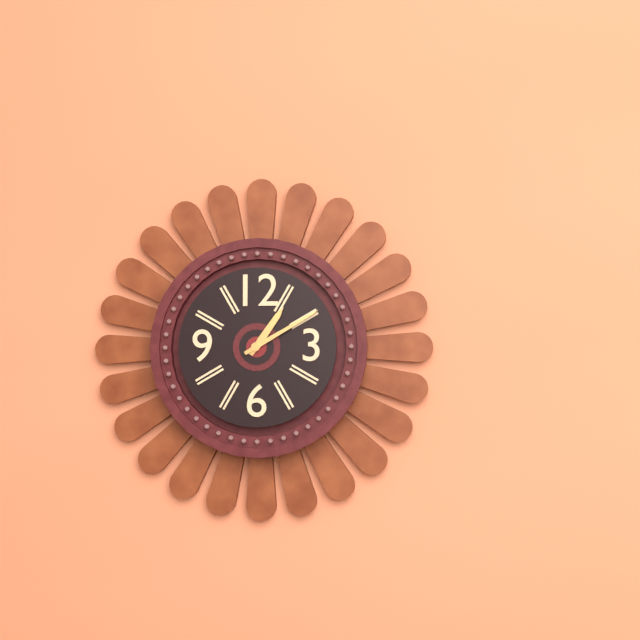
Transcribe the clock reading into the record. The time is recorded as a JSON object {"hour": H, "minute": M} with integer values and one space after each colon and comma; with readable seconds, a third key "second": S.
{"hour": 1, "minute": 10}
